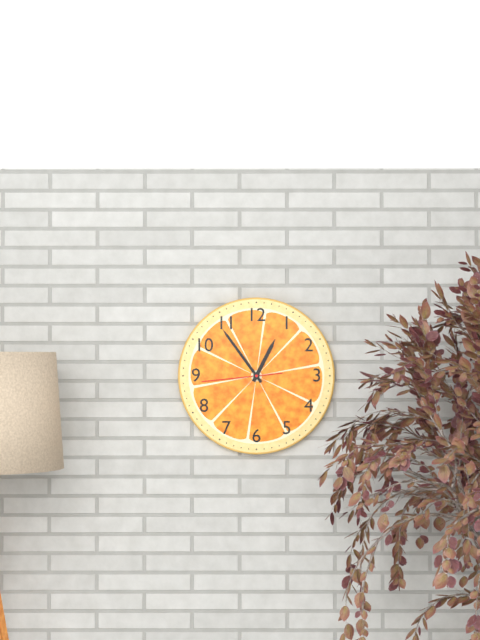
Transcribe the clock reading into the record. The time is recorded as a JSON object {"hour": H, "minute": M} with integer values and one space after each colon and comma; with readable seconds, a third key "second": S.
{"hour": 12, "minute": 54, "second": 44}
